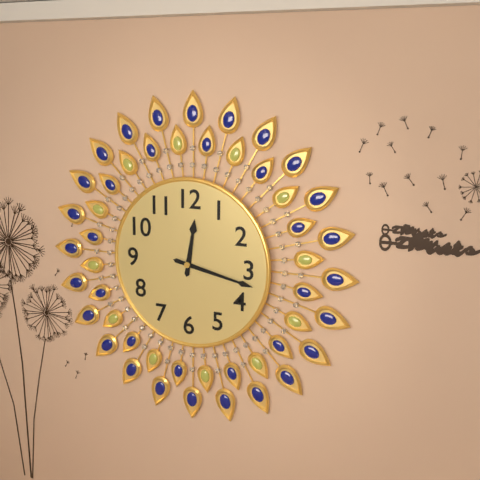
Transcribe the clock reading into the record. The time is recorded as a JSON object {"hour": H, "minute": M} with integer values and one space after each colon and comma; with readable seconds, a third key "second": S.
{"hour": 12, "minute": 17}
